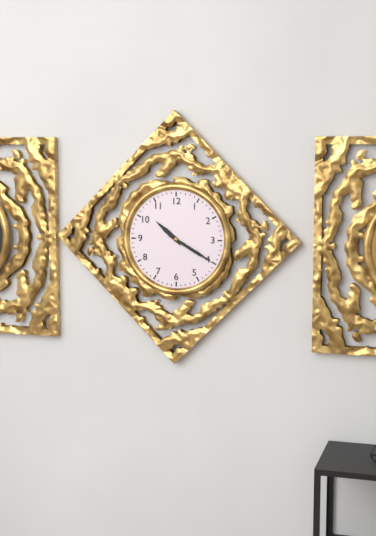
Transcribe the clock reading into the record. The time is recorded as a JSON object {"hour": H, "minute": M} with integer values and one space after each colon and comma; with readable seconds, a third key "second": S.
{"hour": 10, "minute": 20}
